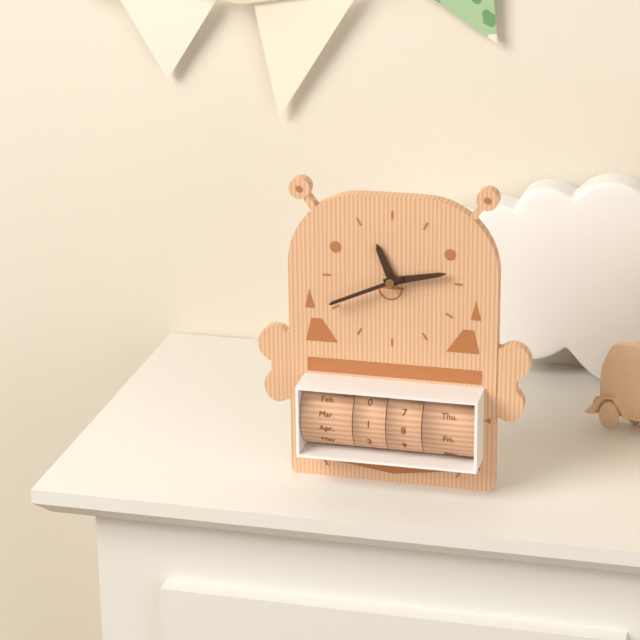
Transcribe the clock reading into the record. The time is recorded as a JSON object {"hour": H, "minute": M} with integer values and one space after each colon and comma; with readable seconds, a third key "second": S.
{"hour": 11, "minute": 13, "second": 41}
